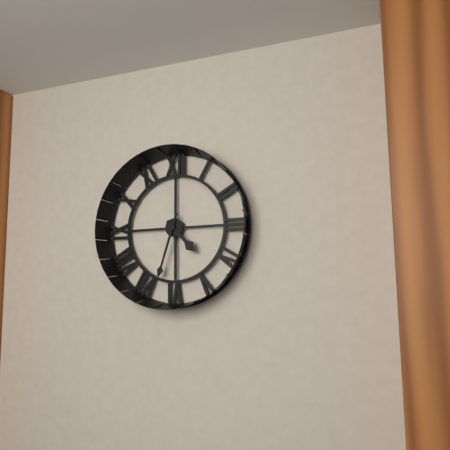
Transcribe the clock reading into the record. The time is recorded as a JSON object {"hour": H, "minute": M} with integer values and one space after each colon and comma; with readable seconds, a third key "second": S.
{"hour": 4, "minute": 33}
